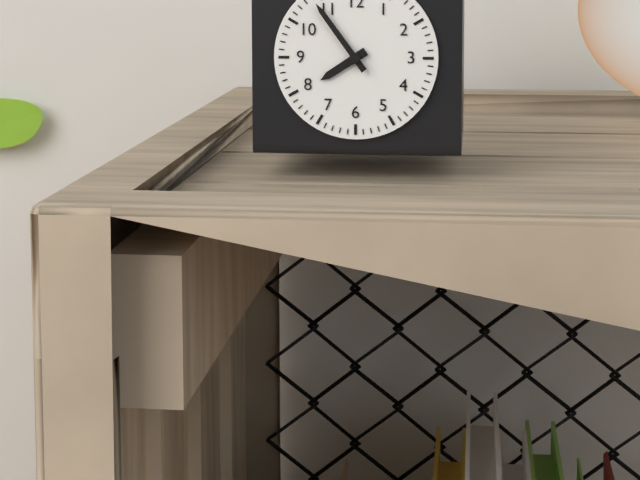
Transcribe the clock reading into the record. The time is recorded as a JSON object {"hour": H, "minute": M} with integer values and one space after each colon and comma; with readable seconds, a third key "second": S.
{"hour": 7, "minute": 54}
